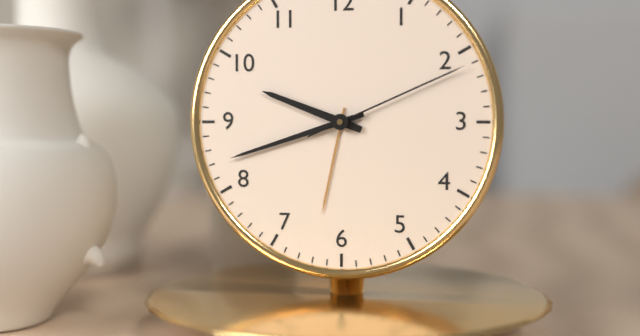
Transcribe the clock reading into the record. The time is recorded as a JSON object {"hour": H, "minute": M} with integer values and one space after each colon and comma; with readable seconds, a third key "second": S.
{"hour": 9, "minute": 42, "second": 11}
